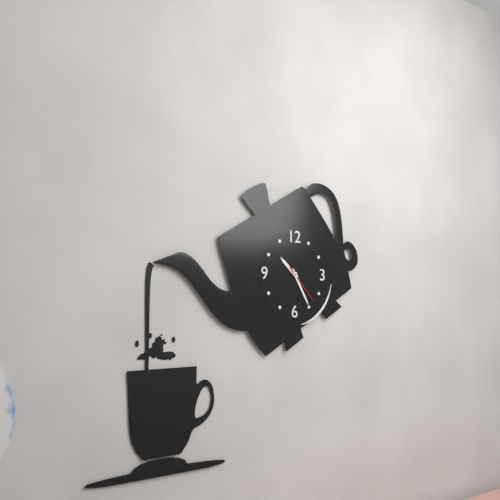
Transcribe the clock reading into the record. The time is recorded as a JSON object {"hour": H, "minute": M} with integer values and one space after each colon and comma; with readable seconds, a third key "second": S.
{"hour": 10, "minute": 25}
